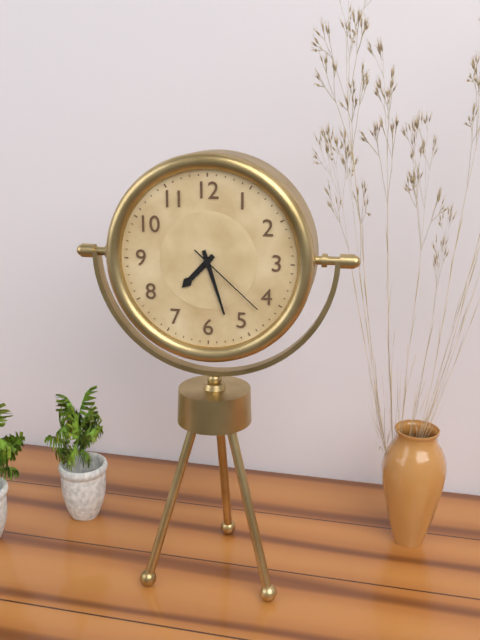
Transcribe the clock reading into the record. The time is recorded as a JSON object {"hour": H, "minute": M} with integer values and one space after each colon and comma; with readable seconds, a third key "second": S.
{"hour": 7, "minute": 27, "second": 22}
